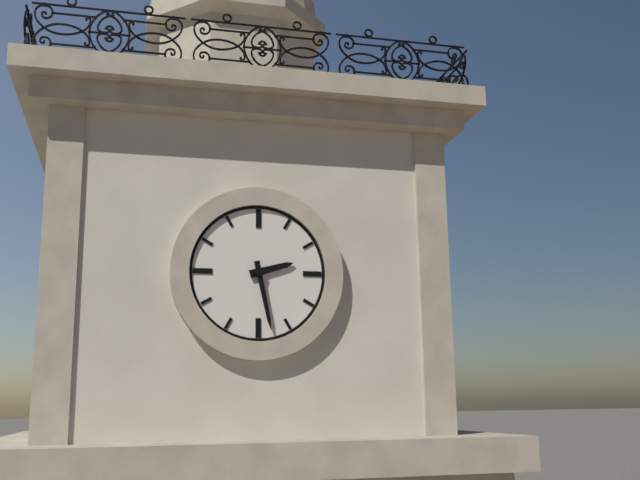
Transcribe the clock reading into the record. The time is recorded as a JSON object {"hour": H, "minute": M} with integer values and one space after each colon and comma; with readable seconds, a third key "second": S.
{"hour": 2, "minute": 28}
